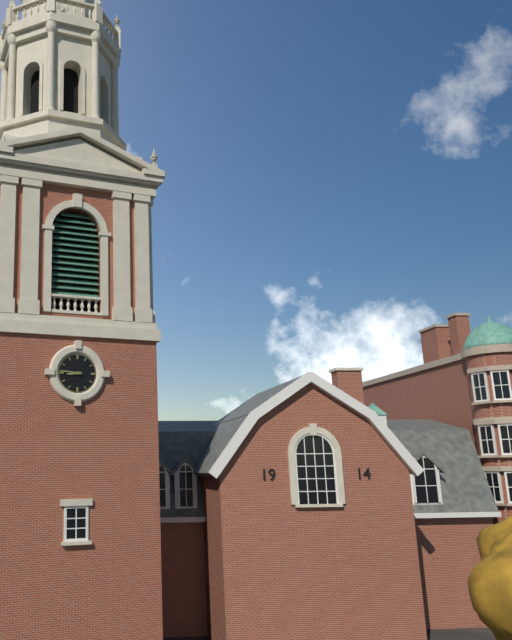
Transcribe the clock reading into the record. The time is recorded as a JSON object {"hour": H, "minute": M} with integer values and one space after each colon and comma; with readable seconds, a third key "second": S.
{"hour": 8, "minute": 46}
